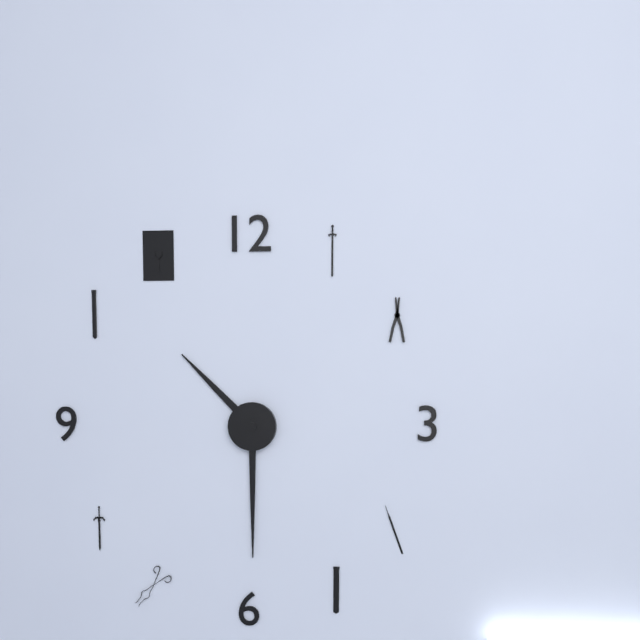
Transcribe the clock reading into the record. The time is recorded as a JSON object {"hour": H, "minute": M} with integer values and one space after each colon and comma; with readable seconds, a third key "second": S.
{"hour": 10, "minute": 30}
